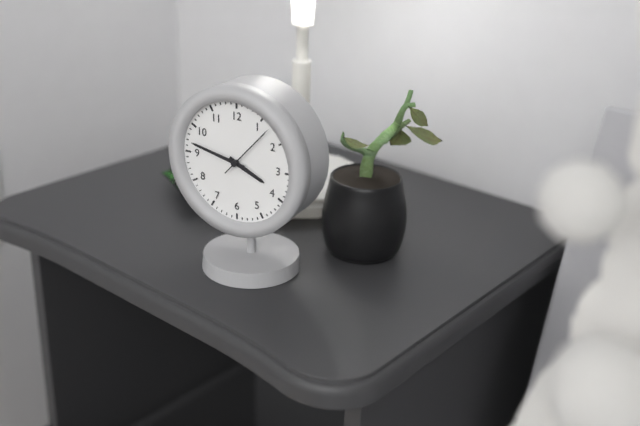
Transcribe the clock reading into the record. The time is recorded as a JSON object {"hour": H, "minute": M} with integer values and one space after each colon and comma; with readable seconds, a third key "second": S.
{"hour": 3, "minute": 47, "second": 7}
